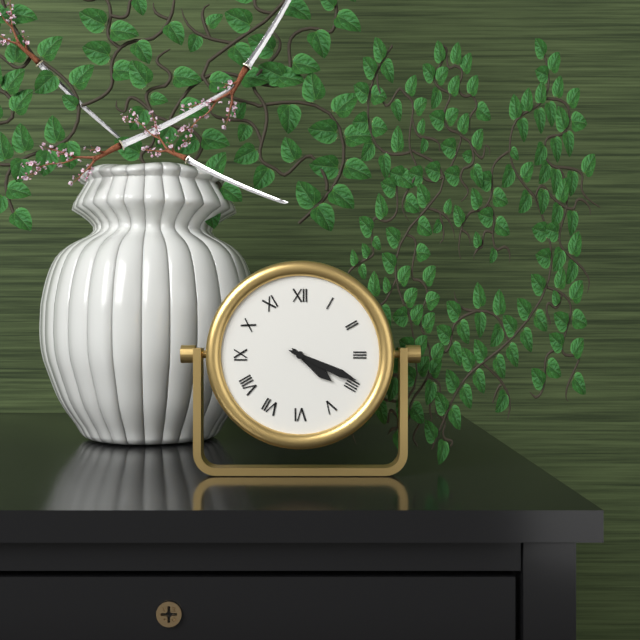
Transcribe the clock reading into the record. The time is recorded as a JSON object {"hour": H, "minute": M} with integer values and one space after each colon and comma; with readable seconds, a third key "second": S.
{"hour": 4, "minute": 19}
